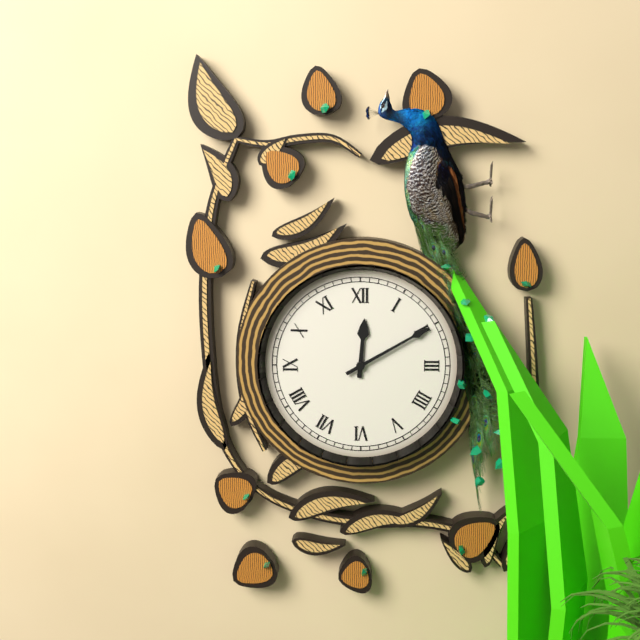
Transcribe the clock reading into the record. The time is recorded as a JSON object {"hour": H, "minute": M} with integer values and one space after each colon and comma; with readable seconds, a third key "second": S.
{"hour": 12, "minute": 10}
